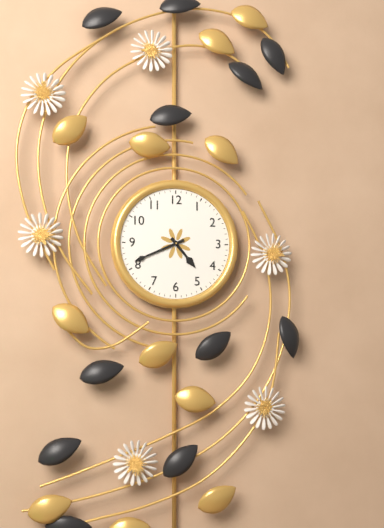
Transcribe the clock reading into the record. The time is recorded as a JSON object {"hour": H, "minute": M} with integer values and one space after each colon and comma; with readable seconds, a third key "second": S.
{"hour": 4, "minute": 41}
